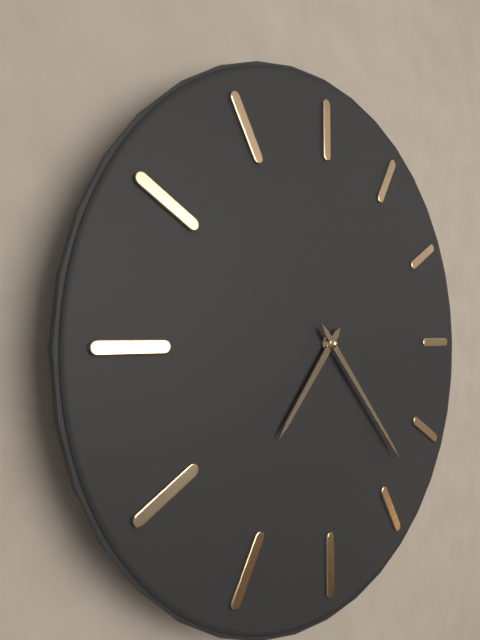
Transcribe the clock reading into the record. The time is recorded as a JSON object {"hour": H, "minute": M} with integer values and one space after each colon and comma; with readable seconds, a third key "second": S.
{"hour": 7, "minute": 23}
